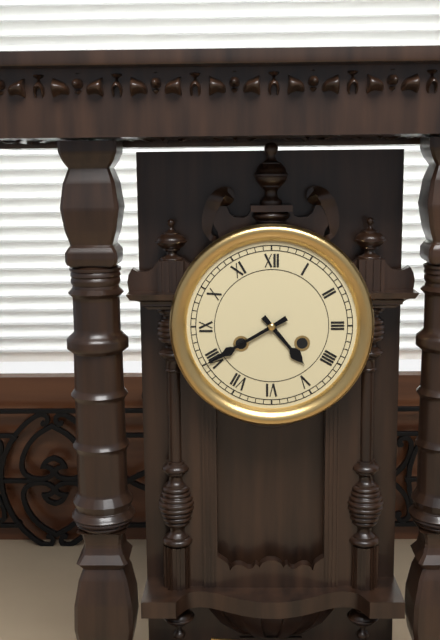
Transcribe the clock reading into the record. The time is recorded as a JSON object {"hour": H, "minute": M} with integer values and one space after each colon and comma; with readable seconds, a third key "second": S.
{"hour": 4, "minute": 40}
